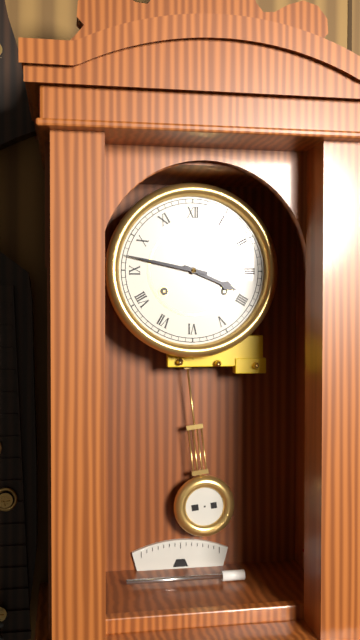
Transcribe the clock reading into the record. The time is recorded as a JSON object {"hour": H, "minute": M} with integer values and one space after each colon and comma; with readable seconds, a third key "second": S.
{"hour": 3, "minute": 47}
